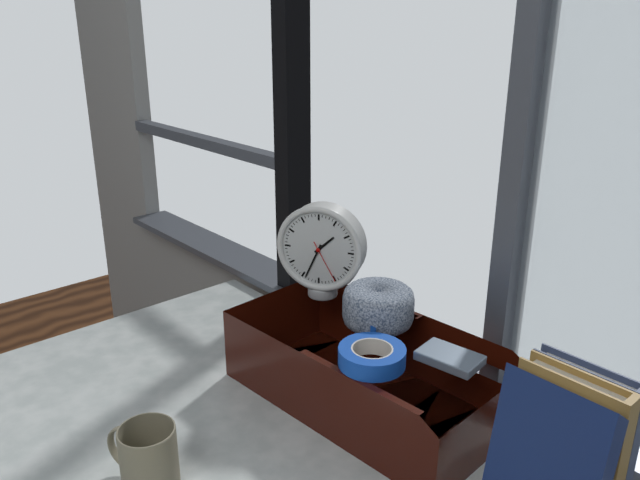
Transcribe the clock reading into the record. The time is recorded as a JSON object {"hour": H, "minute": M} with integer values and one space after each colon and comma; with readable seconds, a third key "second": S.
{"hour": 1, "minute": 34}
